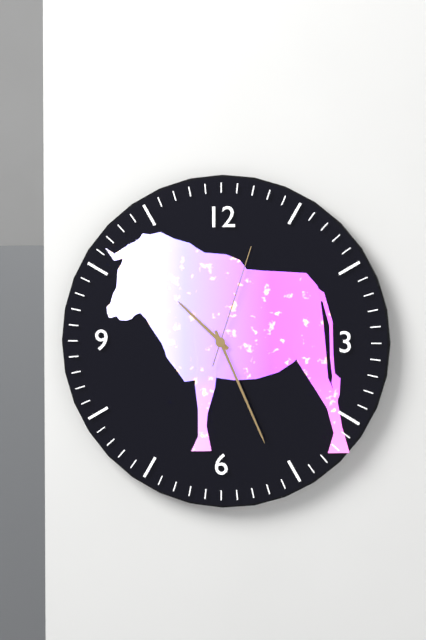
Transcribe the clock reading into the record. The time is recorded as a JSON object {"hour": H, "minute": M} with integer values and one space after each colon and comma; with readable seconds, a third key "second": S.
{"hour": 10, "minute": 26, "second": 3}
